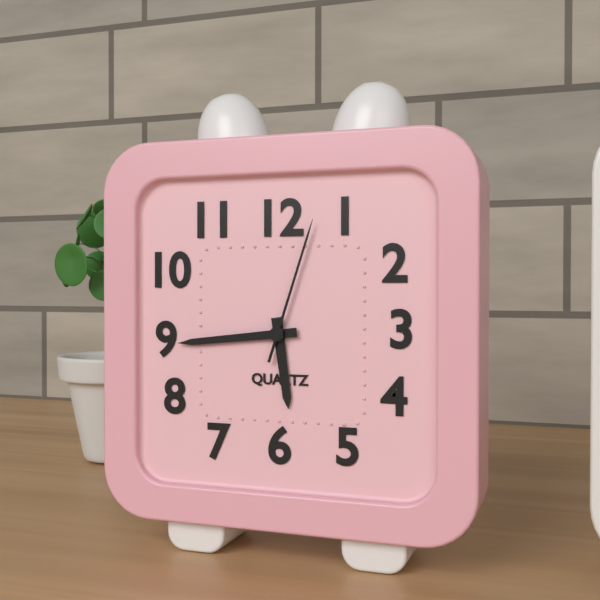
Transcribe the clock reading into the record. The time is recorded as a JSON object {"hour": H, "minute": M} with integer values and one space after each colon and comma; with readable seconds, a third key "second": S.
{"hour": 5, "minute": 44, "second": 3}
